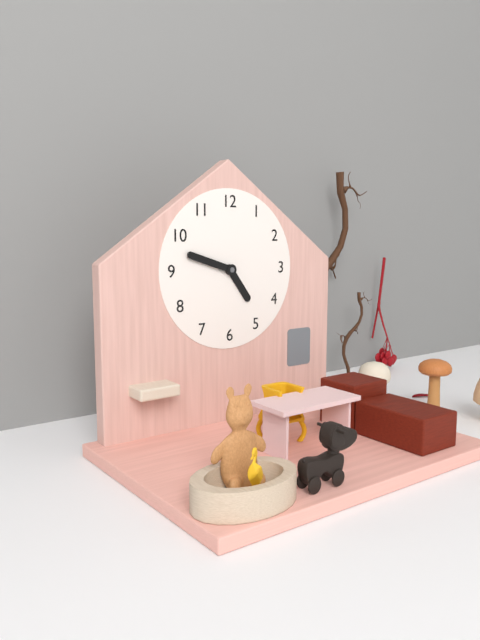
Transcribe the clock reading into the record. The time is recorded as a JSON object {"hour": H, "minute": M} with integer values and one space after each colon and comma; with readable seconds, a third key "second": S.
{"hour": 4, "minute": 48}
